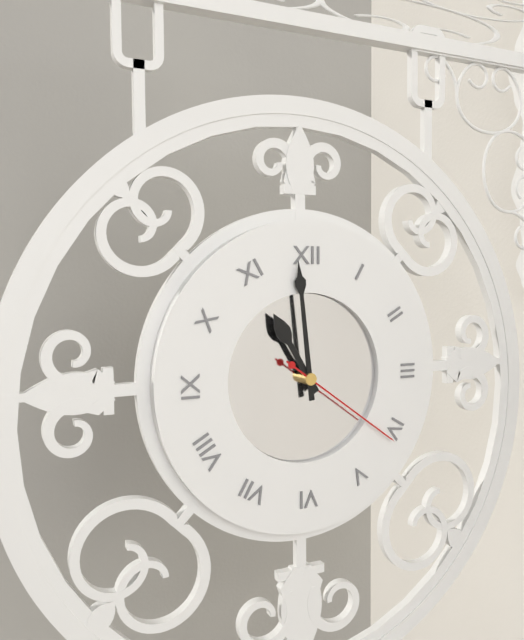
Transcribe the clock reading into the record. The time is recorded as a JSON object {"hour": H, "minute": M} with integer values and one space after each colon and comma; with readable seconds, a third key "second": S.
{"hour": 10, "minute": 59, "second": 21}
